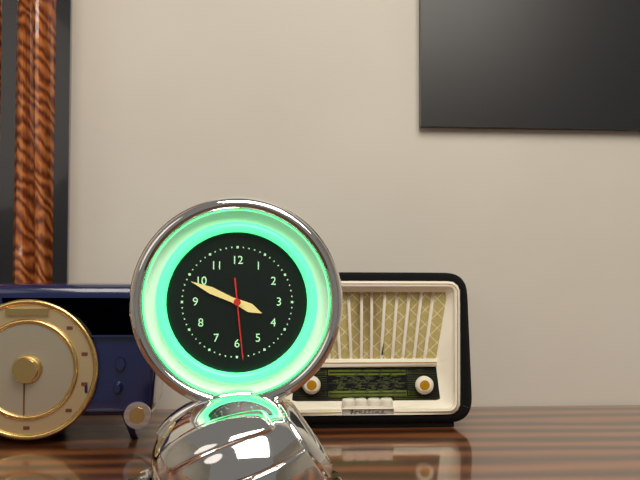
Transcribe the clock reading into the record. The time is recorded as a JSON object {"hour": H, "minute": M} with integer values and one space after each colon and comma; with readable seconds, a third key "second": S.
{"hour": 3, "minute": 49, "second": 29}
